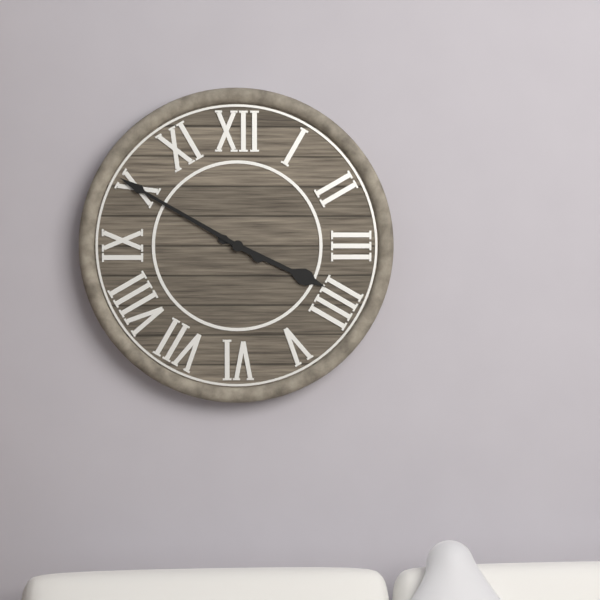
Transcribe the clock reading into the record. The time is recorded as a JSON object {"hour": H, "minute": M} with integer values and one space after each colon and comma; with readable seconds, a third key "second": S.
{"hour": 3, "minute": 50}
